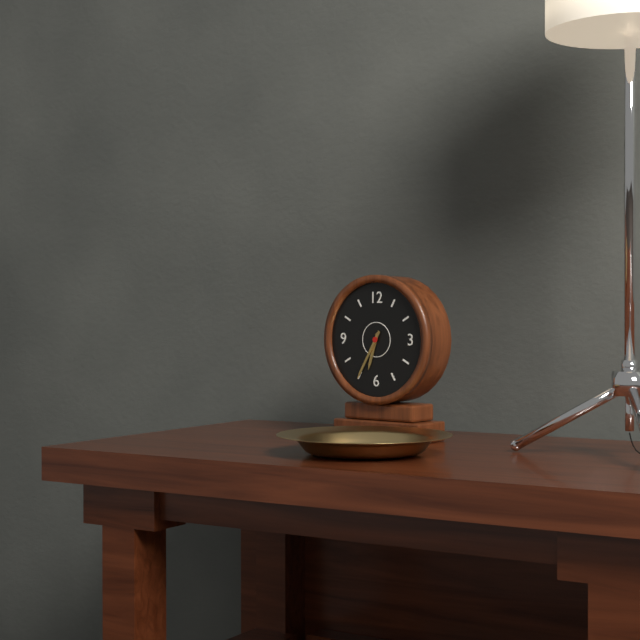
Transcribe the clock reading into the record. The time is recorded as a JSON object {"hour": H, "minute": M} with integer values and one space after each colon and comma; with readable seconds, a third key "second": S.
{"hour": 6, "minute": 35}
